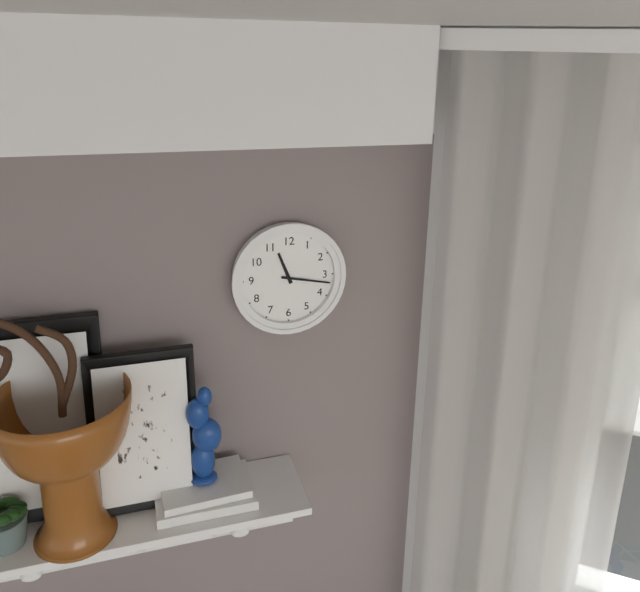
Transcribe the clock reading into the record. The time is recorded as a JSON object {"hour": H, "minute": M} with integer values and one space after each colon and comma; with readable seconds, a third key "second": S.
{"hour": 11, "minute": 17}
